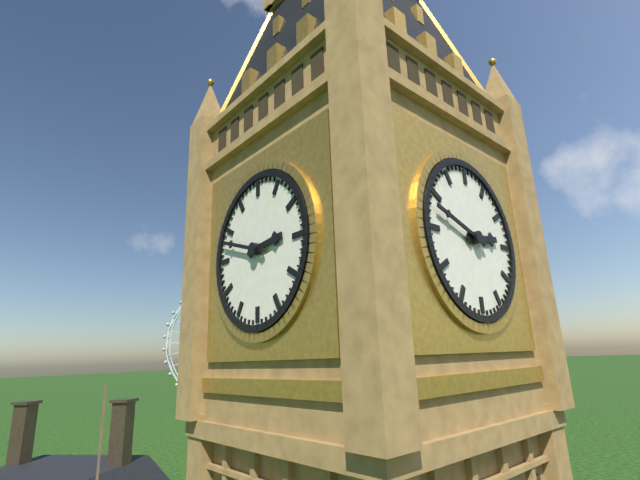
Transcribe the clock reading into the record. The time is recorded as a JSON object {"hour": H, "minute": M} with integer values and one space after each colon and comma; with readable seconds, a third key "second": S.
{"hour": 2, "minute": 48}
